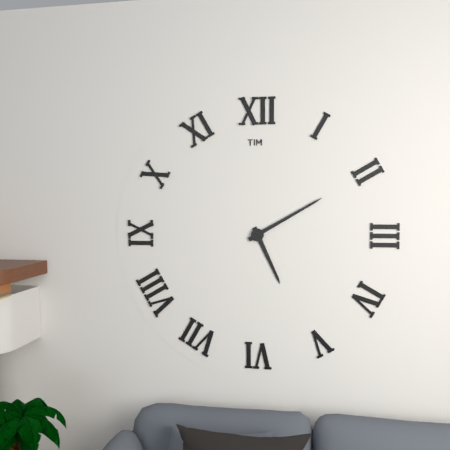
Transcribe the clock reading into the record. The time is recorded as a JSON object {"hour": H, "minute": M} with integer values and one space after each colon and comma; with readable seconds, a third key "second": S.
{"hour": 5, "minute": 10}
